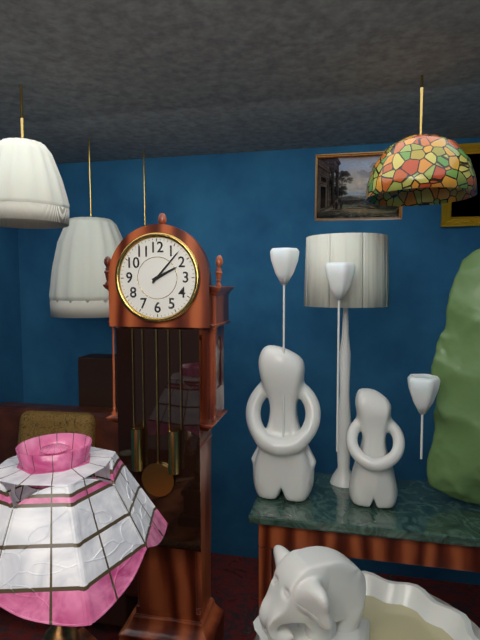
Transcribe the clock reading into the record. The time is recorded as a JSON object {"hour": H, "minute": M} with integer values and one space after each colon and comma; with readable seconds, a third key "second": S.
{"hour": 2, "minute": 7}
